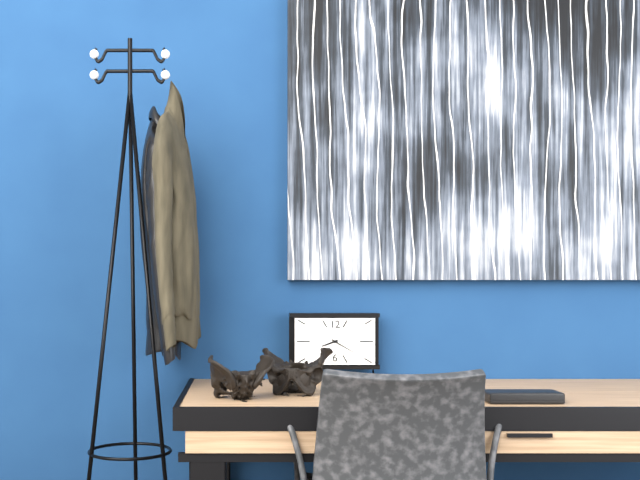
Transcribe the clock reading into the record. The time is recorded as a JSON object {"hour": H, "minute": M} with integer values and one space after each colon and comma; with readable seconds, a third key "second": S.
{"hour": 8, "minute": 20}
